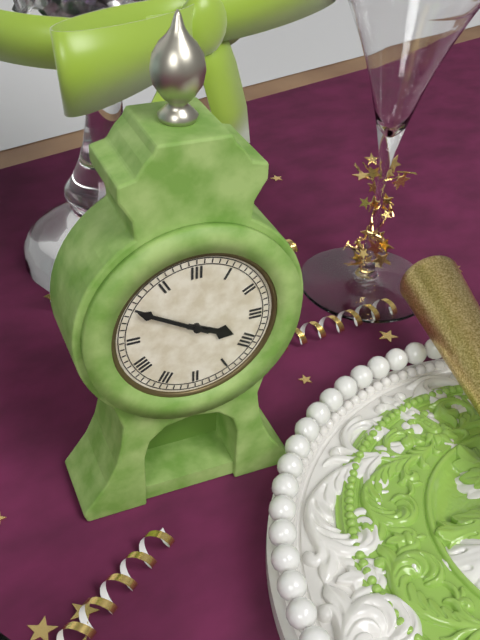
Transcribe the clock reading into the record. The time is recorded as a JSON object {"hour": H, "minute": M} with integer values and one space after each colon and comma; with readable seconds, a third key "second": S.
{"hour": 3, "minute": 50}
